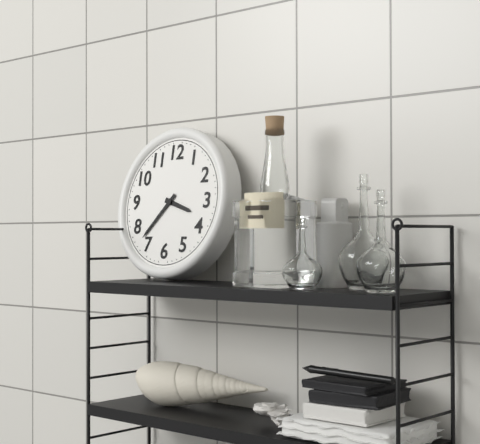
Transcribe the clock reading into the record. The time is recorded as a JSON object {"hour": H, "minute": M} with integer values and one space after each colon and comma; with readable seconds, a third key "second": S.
{"hour": 3, "minute": 37}
